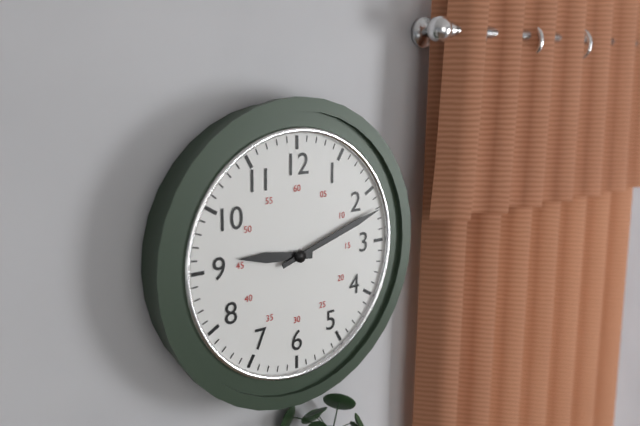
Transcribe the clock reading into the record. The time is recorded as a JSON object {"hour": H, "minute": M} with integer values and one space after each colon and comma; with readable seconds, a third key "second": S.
{"hour": 9, "minute": 12}
